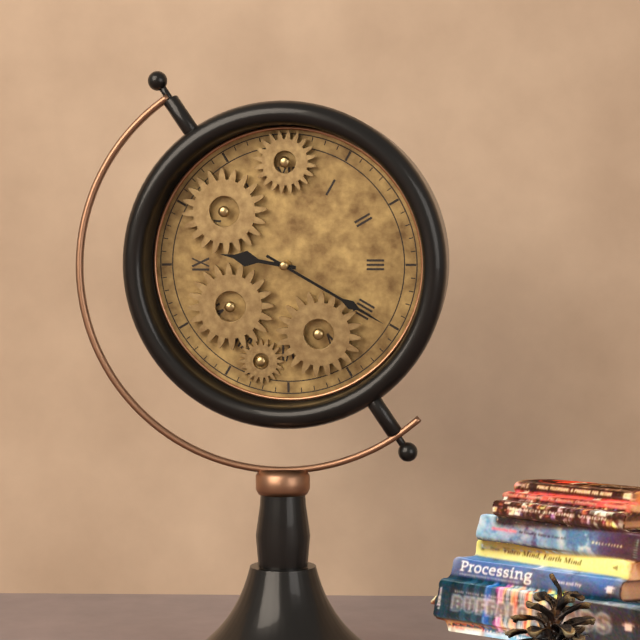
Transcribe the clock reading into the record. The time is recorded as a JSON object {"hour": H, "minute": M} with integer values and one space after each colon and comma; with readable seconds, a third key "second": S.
{"hour": 9, "minute": 20}
